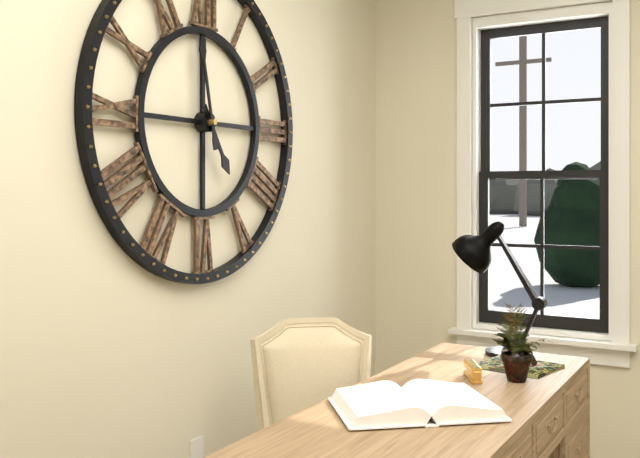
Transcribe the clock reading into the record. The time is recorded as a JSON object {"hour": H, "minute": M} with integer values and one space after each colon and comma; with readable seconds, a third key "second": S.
{"hour": 4, "minute": 58}
